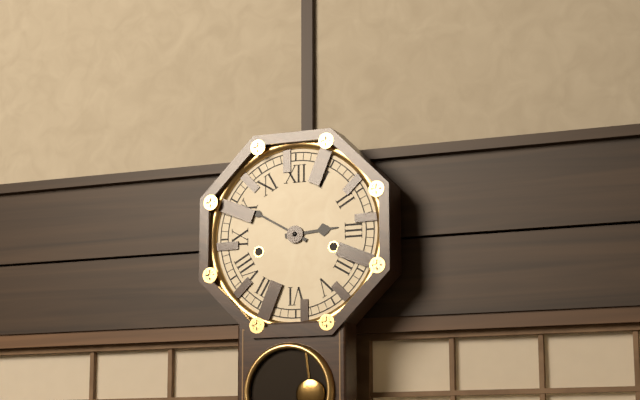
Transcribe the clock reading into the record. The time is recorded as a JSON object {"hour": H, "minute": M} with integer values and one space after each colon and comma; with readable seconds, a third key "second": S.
{"hour": 2, "minute": 50}
